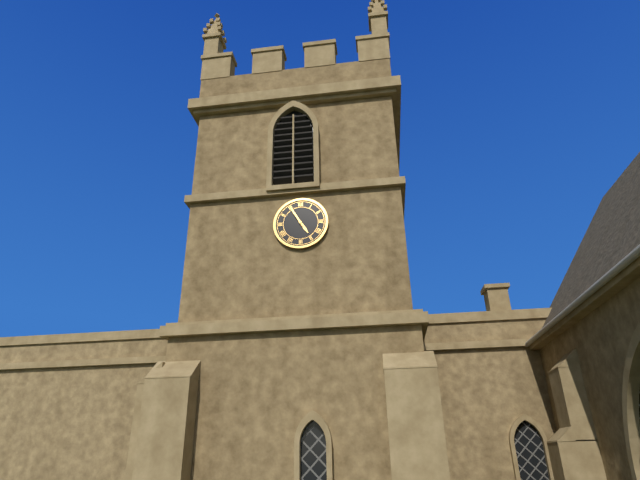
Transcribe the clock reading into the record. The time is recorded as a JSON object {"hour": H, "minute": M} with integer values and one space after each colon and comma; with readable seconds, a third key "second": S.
{"hour": 4, "minute": 55}
